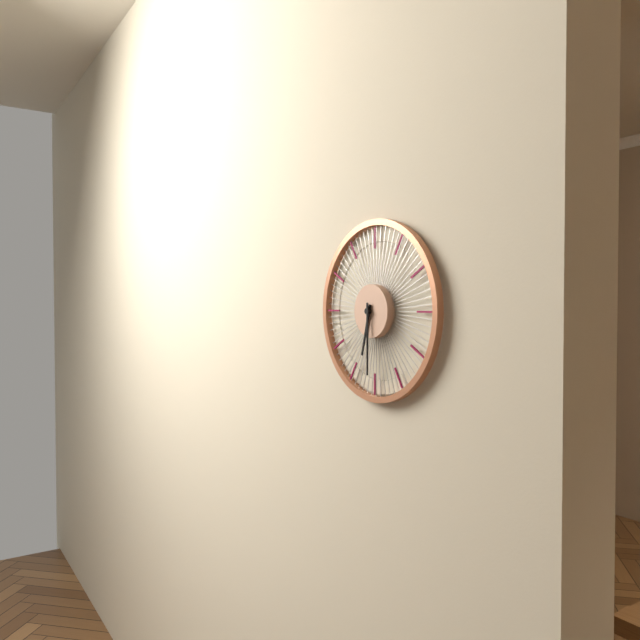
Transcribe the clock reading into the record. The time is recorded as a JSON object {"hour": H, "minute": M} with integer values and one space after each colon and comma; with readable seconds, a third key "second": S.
{"hour": 6, "minute": 30}
